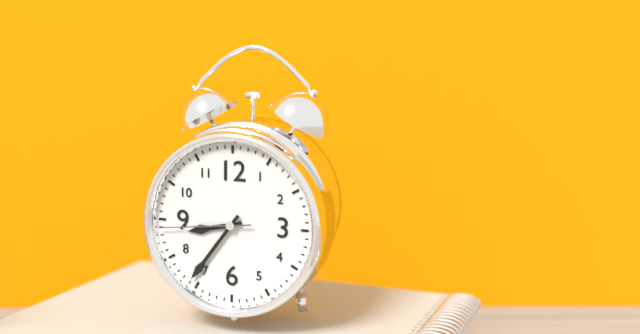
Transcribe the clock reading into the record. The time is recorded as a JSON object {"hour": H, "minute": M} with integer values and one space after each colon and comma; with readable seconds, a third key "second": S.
{"hour": 8, "minute": 36, "second": 44}
